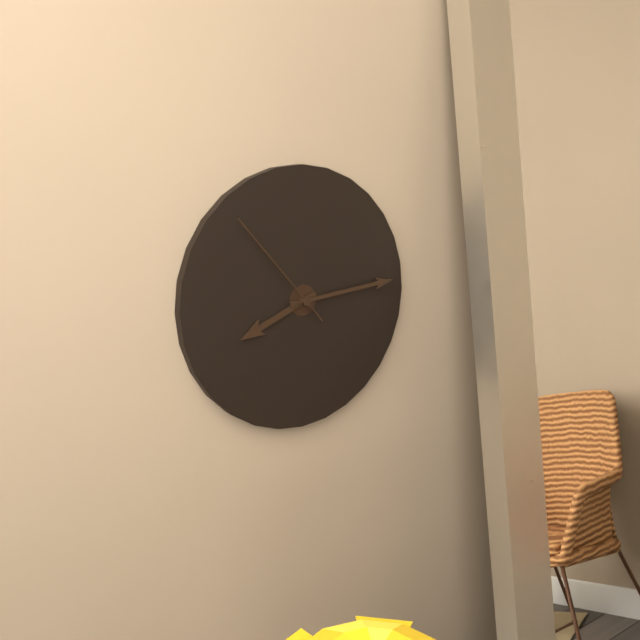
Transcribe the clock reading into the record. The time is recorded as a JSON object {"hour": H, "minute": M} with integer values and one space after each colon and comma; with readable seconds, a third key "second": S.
{"hour": 8, "minute": 14, "second": 53}
